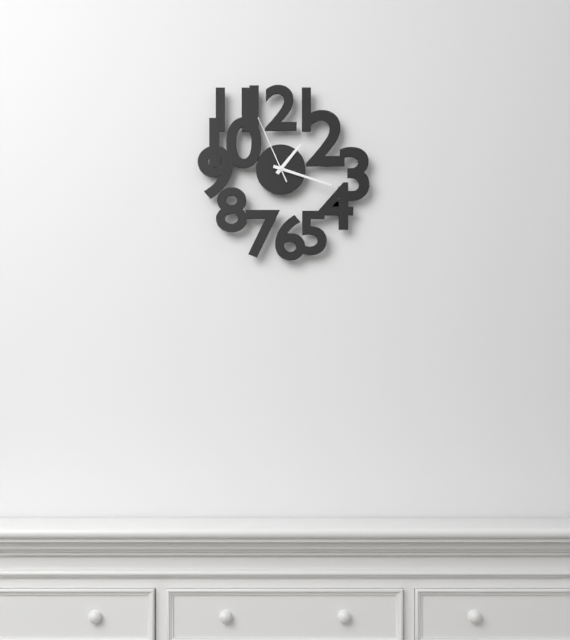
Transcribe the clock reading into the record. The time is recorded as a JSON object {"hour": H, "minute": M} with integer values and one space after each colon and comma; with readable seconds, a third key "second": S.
{"hour": 1, "minute": 18, "second": 56}
